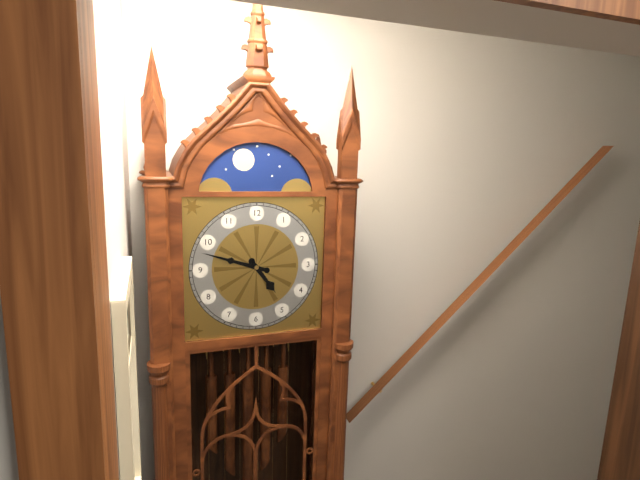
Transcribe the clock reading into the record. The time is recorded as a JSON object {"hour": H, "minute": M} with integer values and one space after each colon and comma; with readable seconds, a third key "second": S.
{"hour": 4, "minute": 48}
